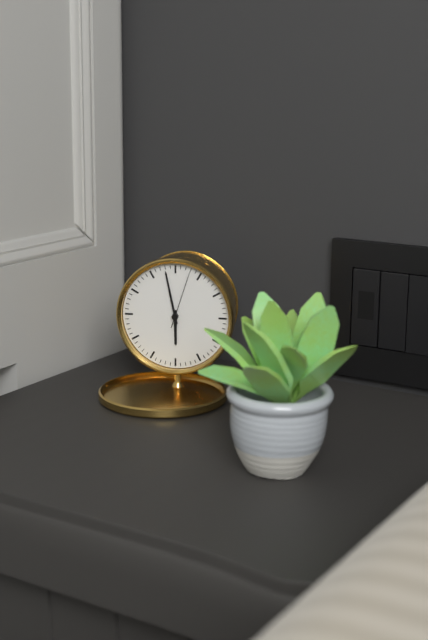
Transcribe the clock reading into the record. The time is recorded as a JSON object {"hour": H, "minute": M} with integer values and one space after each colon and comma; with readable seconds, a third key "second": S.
{"hour": 5, "minute": 58, "second": 3}
